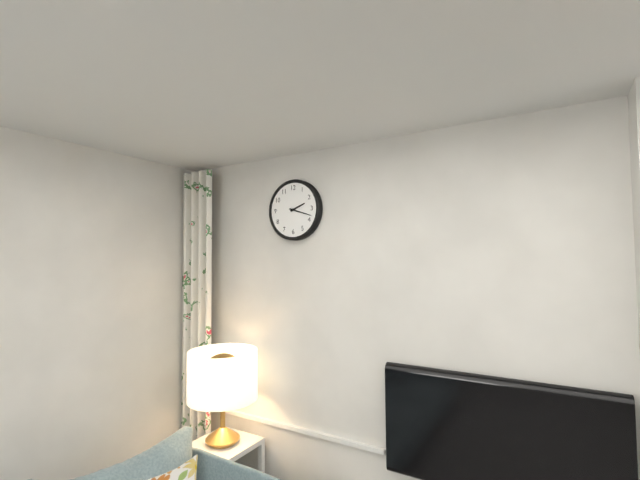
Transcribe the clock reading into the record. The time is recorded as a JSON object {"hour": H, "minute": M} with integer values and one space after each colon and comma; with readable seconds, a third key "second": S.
{"hour": 2, "minute": 18}
